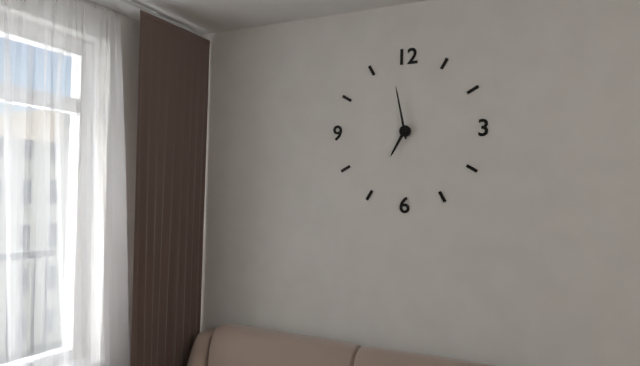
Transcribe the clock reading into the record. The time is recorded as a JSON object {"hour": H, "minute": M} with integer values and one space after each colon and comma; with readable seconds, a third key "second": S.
{"hour": 6, "minute": 58}
